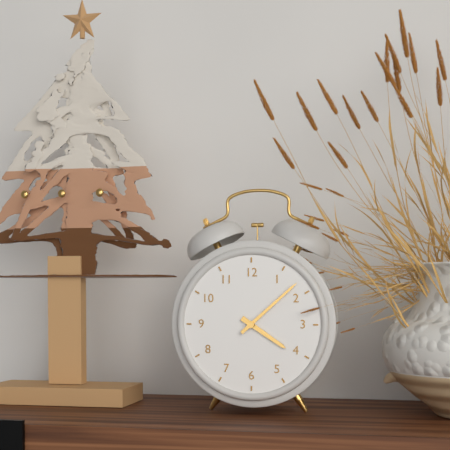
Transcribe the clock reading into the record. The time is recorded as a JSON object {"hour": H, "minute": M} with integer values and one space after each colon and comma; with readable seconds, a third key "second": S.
{"hour": 4, "minute": 8}
